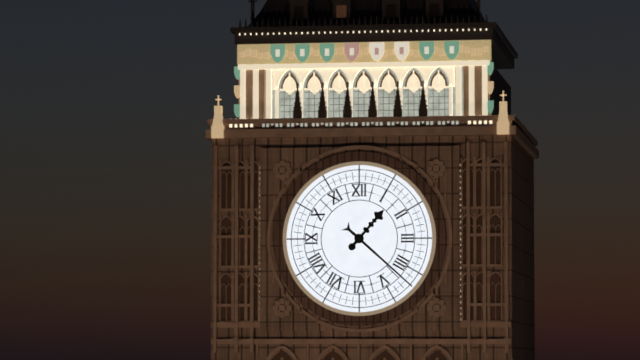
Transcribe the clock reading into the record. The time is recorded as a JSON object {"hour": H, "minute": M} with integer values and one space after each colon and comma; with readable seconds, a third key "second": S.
{"hour": 1, "minute": 22}
